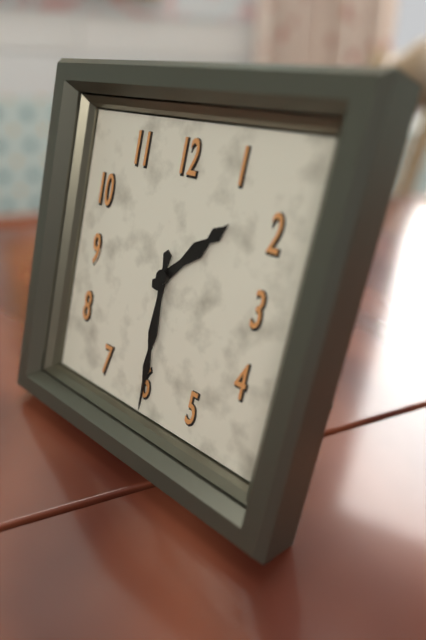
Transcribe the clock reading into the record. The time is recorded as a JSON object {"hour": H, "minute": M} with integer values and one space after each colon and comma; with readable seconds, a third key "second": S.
{"hour": 1, "minute": 30}
